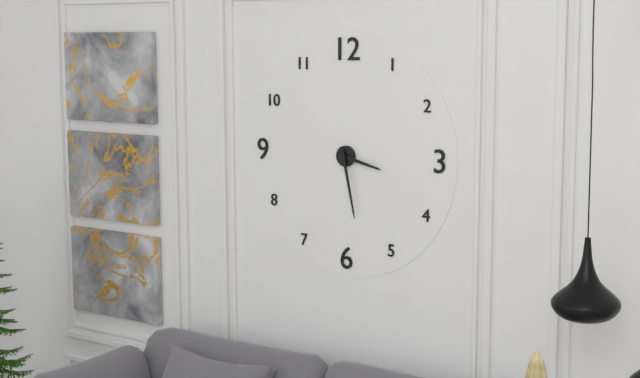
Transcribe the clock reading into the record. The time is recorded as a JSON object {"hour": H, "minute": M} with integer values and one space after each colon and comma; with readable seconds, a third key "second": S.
{"hour": 3, "minute": 28}
